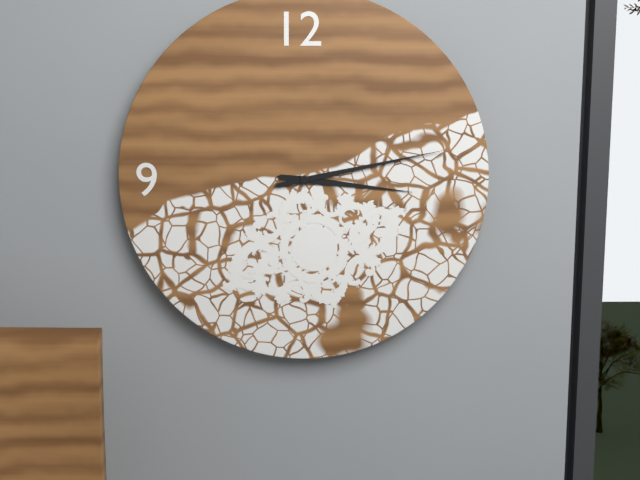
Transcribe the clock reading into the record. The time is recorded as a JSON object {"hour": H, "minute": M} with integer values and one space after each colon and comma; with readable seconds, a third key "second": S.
{"hour": 3, "minute": 13}
